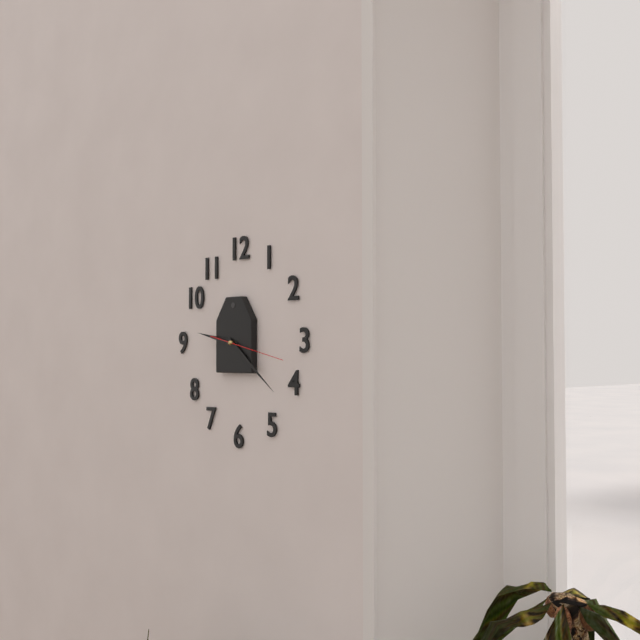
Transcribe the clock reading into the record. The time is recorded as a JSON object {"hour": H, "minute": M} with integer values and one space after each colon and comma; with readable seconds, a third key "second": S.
{"hour": 9, "minute": 21, "second": 17}
